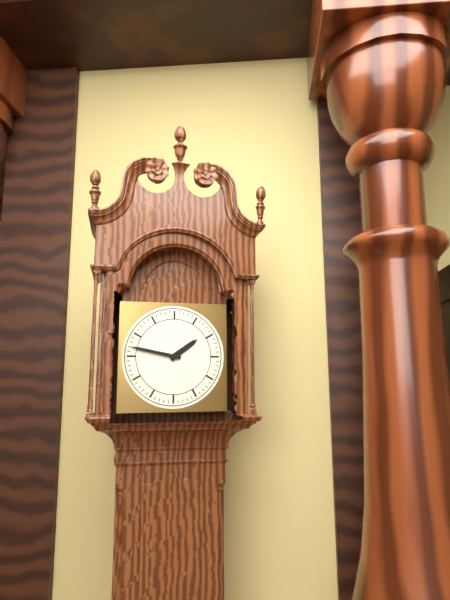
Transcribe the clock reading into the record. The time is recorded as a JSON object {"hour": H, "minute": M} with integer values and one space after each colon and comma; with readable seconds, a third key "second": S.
{"hour": 1, "minute": 47}
